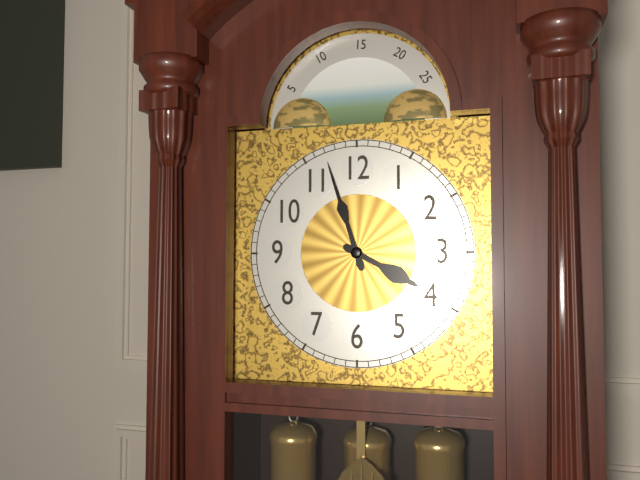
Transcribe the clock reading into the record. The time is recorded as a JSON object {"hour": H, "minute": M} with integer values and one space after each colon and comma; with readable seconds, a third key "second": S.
{"hour": 3, "minute": 57}
